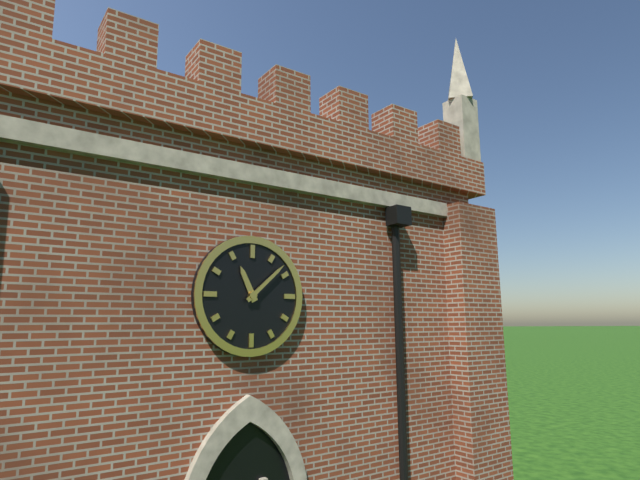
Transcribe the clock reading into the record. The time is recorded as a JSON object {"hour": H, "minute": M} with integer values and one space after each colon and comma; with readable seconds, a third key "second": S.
{"hour": 11, "minute": 8}
